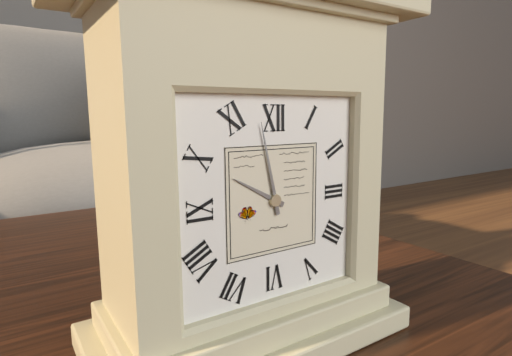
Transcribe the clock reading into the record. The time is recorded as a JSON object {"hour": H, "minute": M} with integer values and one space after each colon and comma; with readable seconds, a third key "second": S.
{"hour": 9, "minute": 58}
